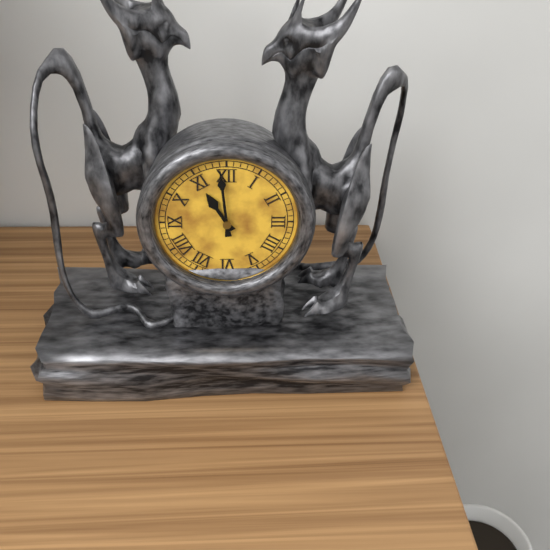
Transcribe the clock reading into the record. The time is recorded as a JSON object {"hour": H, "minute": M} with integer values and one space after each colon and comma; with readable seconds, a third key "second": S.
{"hour": 10, "minute": 59}
